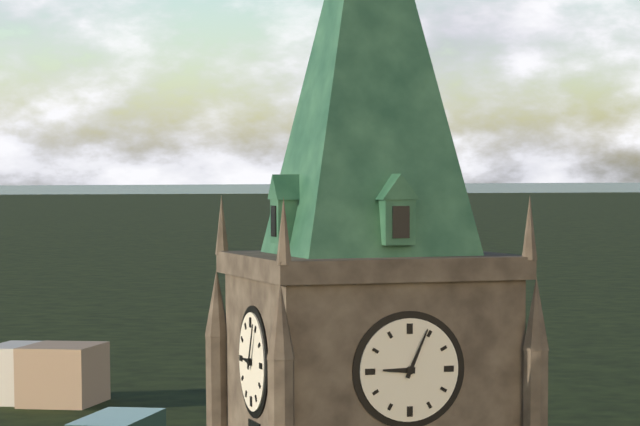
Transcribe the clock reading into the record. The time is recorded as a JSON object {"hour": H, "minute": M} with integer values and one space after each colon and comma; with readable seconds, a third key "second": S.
{"hour": 9, "minute": 4}
